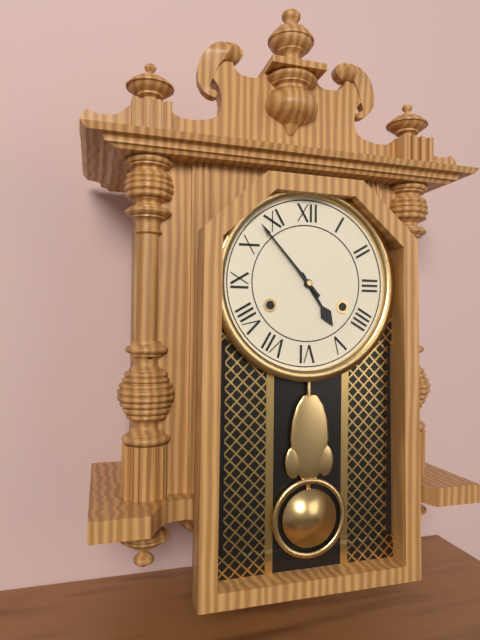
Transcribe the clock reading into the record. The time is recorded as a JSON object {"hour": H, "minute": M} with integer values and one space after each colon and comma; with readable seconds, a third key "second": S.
{"hour": 4, "minute": 53}
